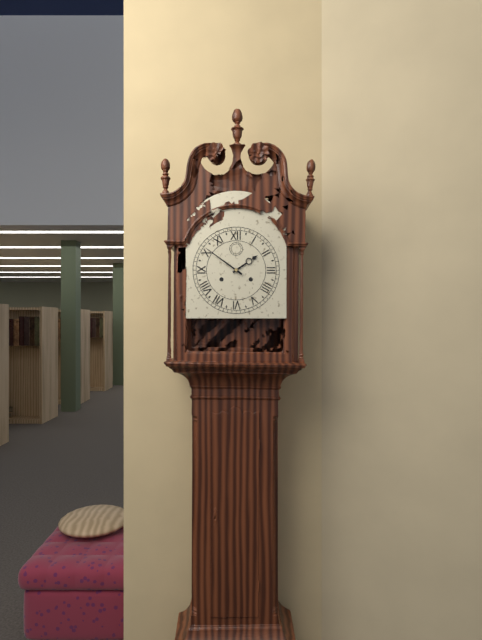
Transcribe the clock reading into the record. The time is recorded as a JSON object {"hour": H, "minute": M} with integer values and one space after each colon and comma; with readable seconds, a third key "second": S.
{"hour": 1, "minute": 51}
